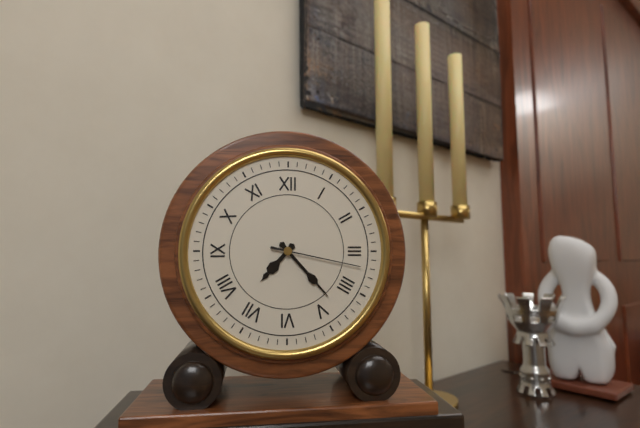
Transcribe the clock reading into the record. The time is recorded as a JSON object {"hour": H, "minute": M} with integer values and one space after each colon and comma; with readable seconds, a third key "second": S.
{"hour": 7, "minute": 23, "second": 17}
